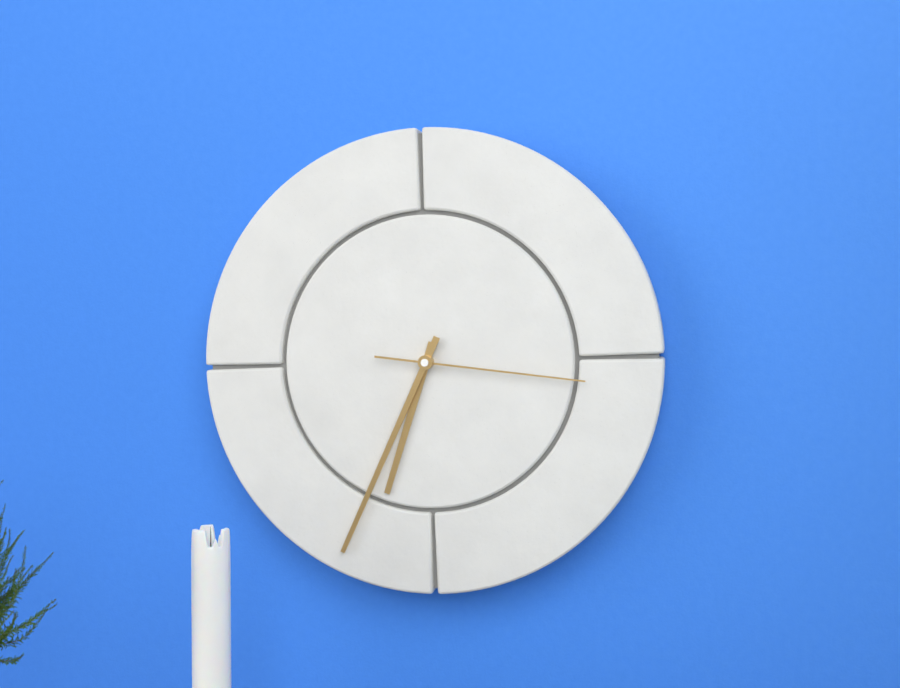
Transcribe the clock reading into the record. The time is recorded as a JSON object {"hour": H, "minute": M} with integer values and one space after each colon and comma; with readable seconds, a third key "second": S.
{"hour": 6, "minute": 34, "second": 16}
